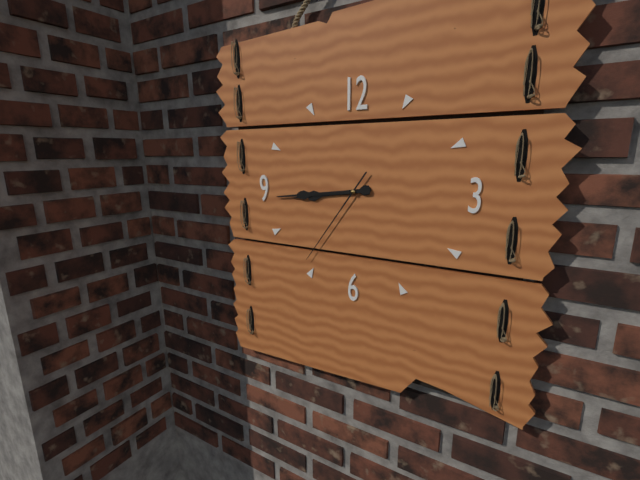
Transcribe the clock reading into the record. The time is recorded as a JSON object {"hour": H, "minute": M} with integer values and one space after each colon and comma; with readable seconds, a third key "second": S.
{"hour": 8, "minute": 44, "second": 36}
